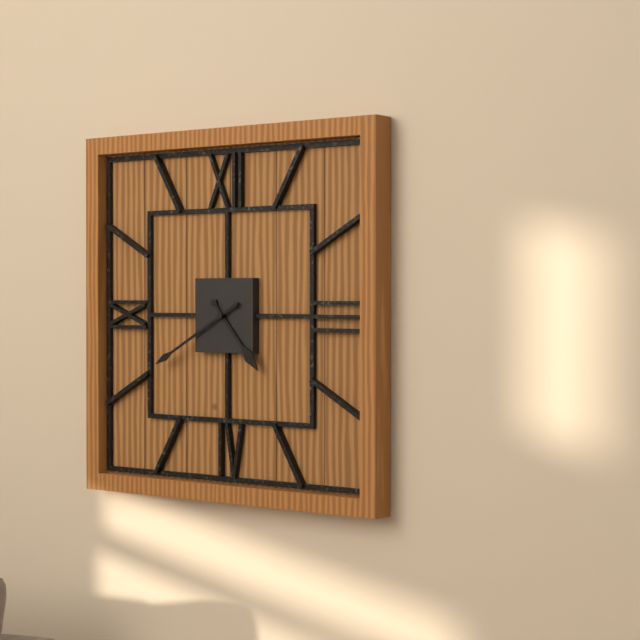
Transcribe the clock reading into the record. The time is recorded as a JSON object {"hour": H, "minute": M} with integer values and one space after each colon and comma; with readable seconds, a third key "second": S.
{"hour": 4, "minute": 40}
